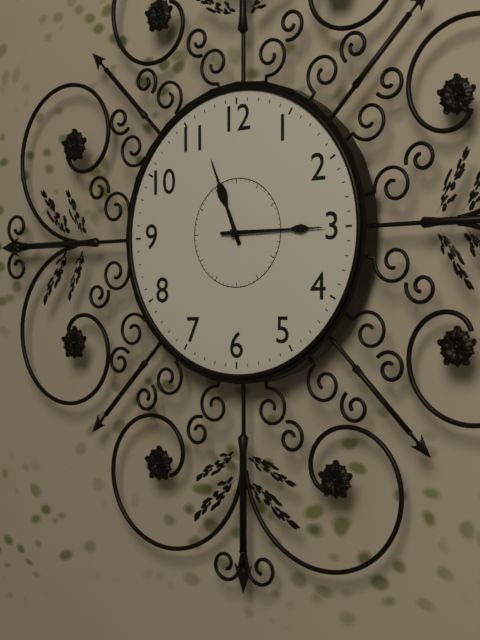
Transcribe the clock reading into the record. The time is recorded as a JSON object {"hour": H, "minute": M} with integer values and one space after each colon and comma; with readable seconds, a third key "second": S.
{"hour": 11, "minute": 15}
